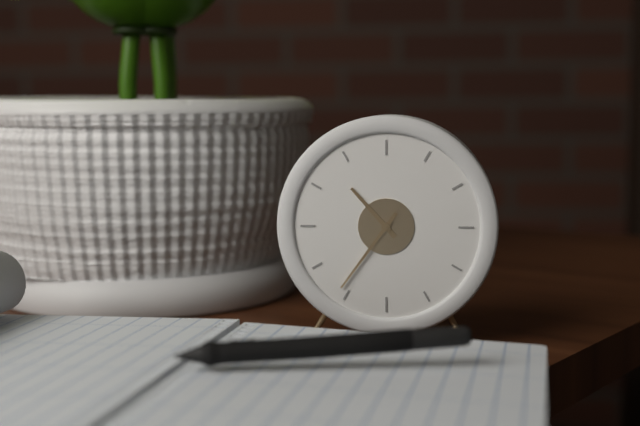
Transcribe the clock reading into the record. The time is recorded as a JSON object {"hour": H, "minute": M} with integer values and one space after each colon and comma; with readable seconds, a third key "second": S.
{"hour": 10, "minute": 36}
